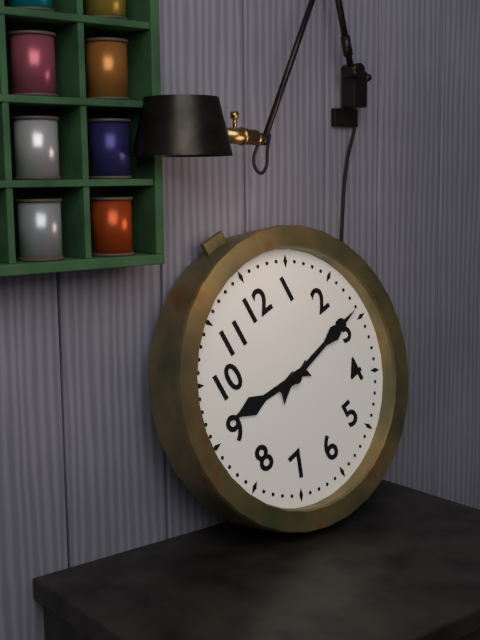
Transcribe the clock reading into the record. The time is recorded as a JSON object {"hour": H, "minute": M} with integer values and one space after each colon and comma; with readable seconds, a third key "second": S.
{"hour": 9, "minute": 14}
